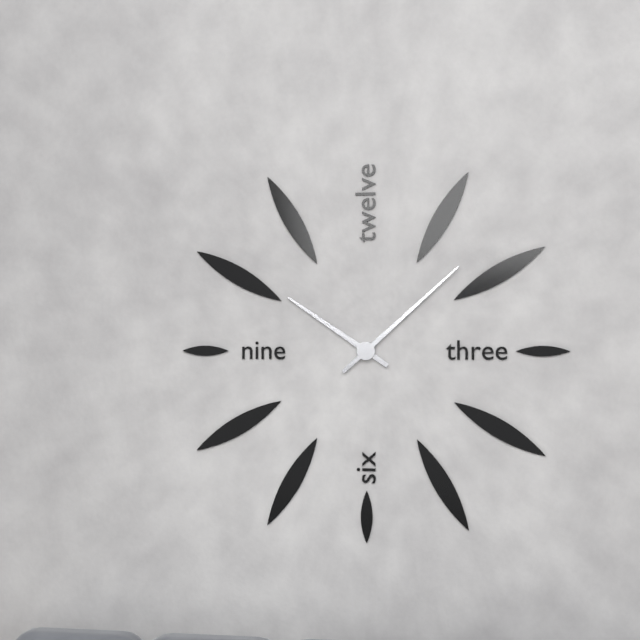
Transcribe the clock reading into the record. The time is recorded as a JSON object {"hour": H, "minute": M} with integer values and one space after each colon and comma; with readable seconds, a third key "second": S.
{"hour": 10, "minute": 8}
